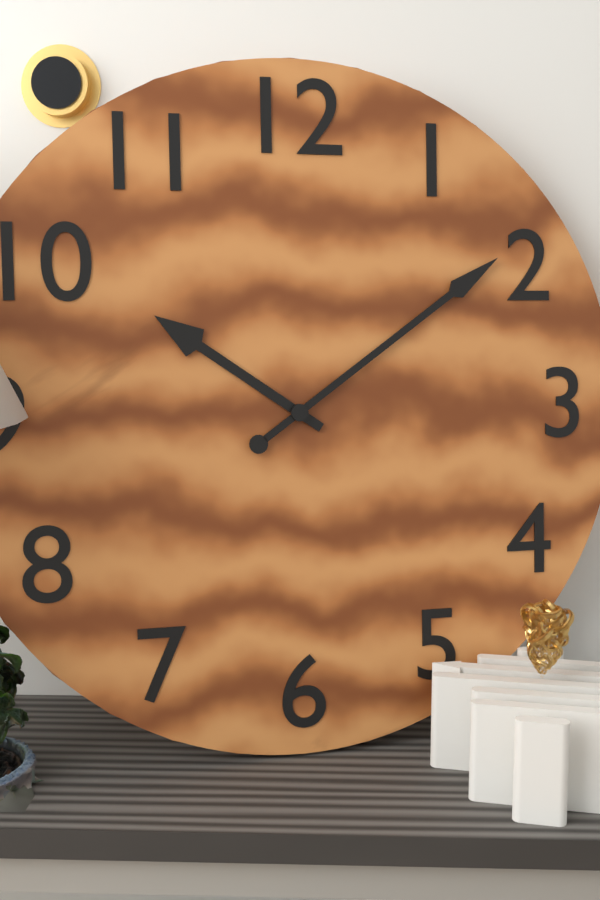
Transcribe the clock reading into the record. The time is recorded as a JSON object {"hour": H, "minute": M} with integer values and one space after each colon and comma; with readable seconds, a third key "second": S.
{"hour": 10, "minute": 9}
